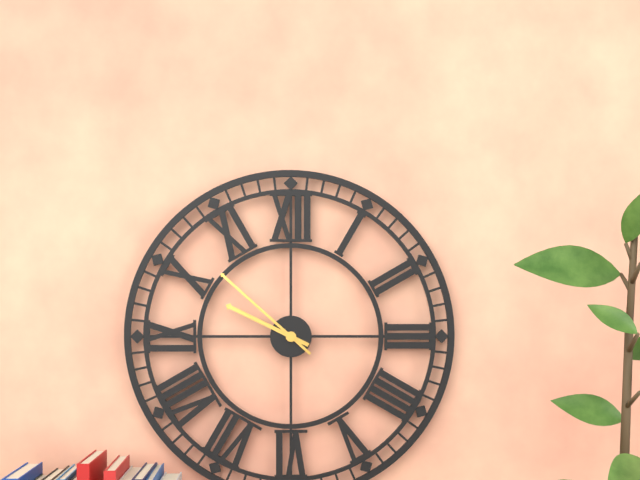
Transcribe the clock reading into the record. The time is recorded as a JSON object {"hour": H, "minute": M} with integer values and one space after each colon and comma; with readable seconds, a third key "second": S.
{"hour": 9, "minute": 52}
